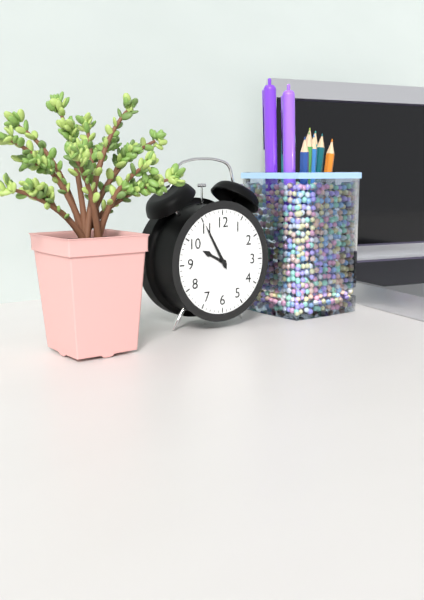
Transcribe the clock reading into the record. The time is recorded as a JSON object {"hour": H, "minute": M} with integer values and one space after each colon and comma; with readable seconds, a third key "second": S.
{"hour": 9, "minute": 55}
